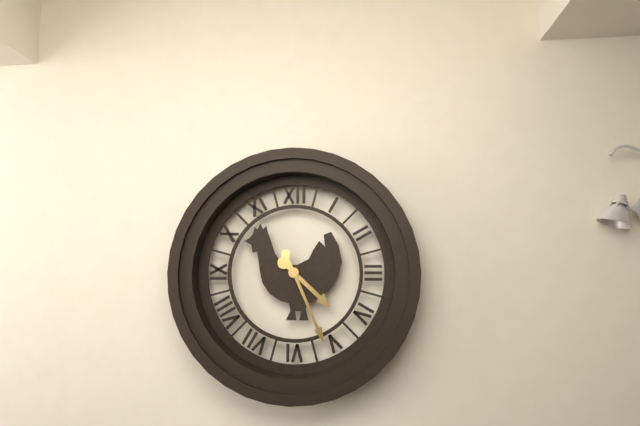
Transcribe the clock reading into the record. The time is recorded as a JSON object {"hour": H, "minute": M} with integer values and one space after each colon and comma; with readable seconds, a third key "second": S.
{"hour": 4, "minute": 26}
